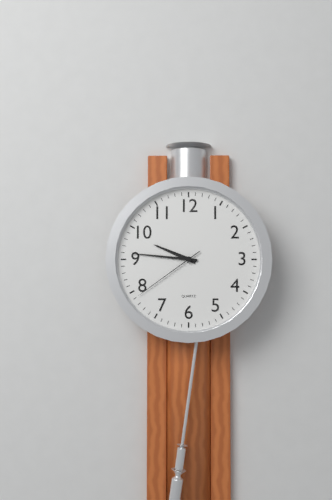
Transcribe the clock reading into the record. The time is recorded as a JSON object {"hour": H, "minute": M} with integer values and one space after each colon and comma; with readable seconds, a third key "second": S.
{"hour": 9, "minute": 46, "second": 39}
